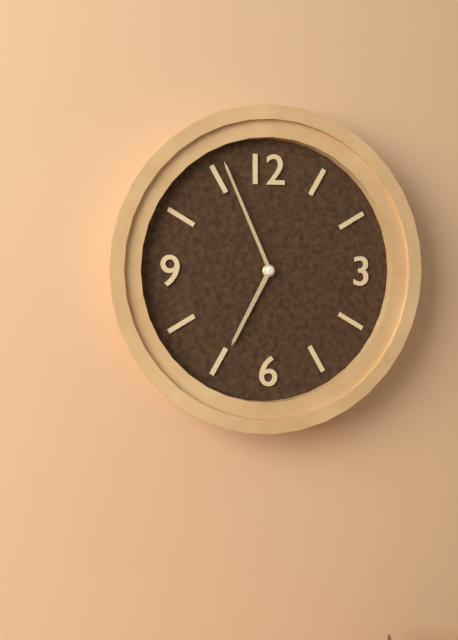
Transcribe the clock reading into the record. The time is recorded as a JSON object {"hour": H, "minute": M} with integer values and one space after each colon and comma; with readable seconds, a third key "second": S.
{"hour": 6, "minute": 56}
